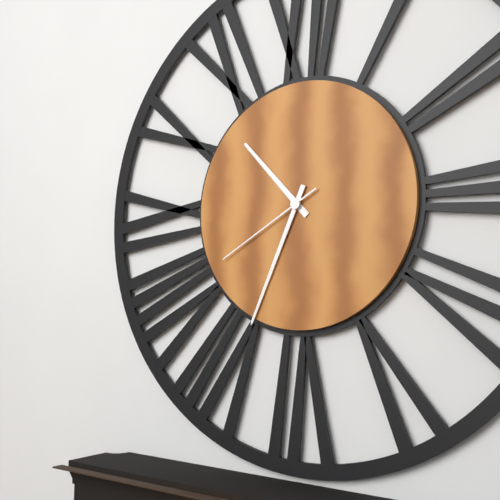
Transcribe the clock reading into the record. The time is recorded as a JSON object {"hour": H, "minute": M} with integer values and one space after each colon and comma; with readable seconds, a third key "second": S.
{"hour": 10, "minute": 34, "second": 40}
